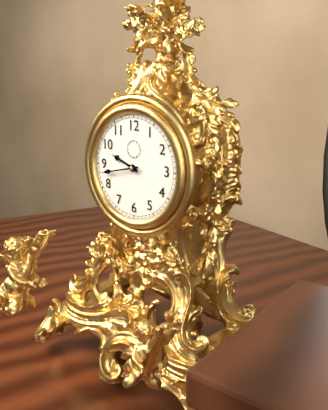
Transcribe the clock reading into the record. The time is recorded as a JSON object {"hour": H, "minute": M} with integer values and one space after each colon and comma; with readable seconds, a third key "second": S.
{"hour": 9, "minute": 43}
